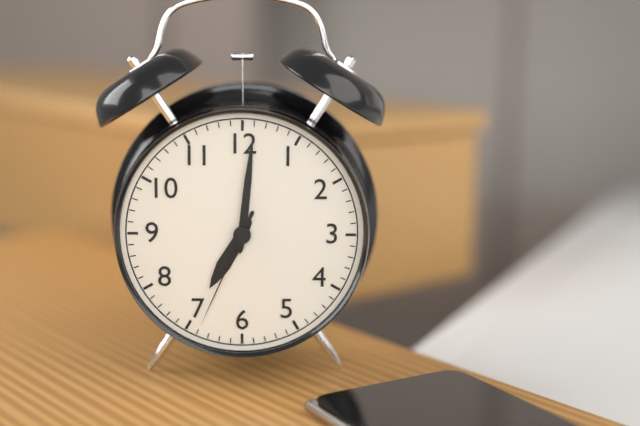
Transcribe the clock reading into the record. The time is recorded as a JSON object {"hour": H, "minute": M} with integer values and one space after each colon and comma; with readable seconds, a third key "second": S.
{"hour": 7, "minute": 1, "second": 34}
